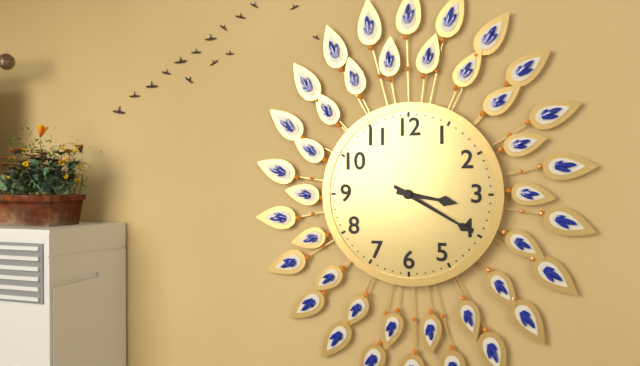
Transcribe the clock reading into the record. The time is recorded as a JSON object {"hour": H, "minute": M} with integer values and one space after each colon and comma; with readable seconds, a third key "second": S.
{"hour": 3, "minute": 20}
